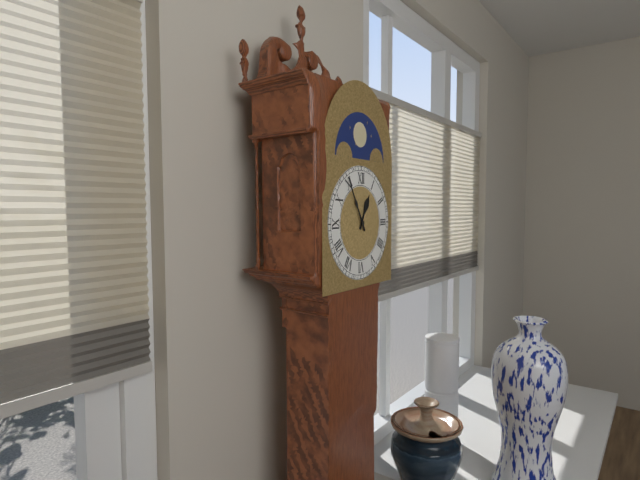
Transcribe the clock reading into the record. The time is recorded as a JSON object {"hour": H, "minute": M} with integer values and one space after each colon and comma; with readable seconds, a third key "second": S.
{"hour": 12, "minute": 55}
